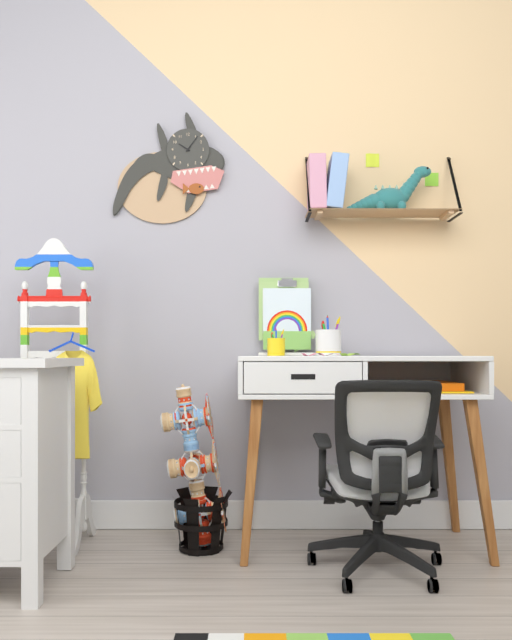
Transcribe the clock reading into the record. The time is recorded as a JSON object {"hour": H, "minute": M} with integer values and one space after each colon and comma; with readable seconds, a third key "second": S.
{"hour": 10, "minute": 6}
